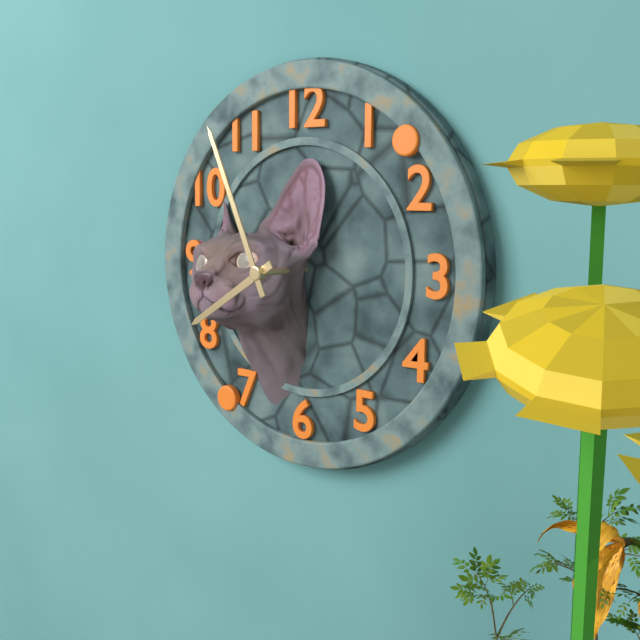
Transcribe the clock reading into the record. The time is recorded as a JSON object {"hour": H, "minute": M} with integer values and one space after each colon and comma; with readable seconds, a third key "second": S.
{"hour": 7, "minute": 56}
